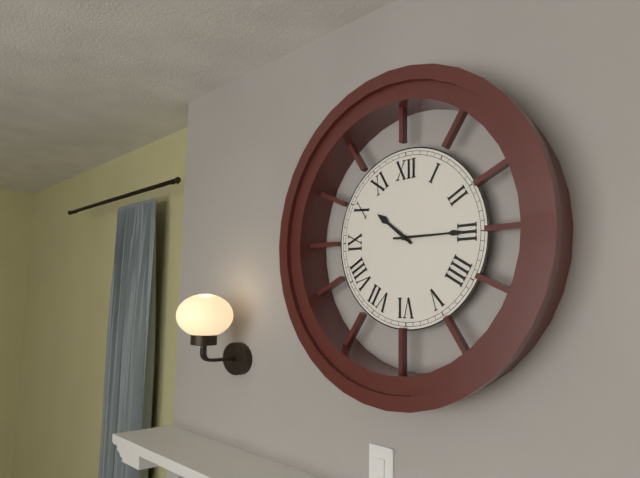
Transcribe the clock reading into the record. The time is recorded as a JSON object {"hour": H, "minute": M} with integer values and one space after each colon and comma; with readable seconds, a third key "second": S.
{"hour": 10, "minute": 15}
